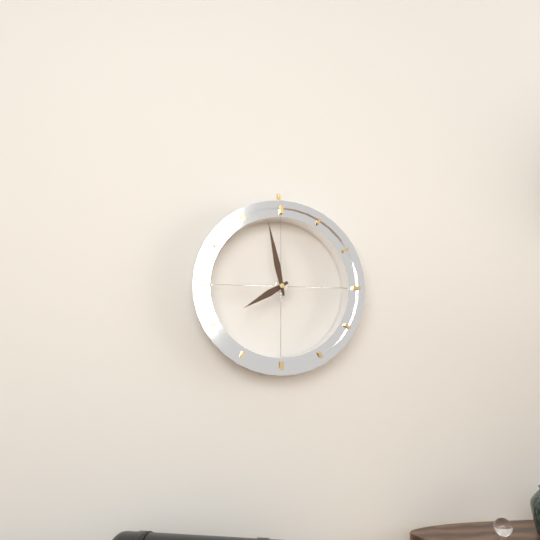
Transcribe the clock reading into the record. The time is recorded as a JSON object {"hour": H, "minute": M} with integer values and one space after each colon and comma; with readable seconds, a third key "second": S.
{"hour": 7, "minute": 58}
